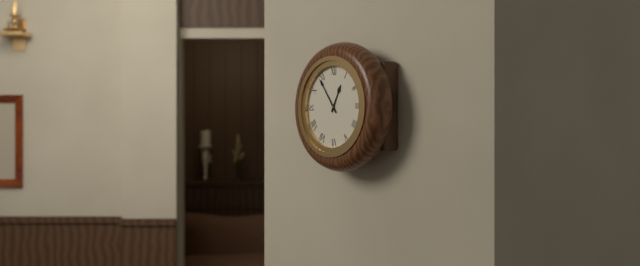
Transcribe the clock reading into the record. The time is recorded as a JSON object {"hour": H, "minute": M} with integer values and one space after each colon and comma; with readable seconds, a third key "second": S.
{"hour": 12, "minute": 54}
